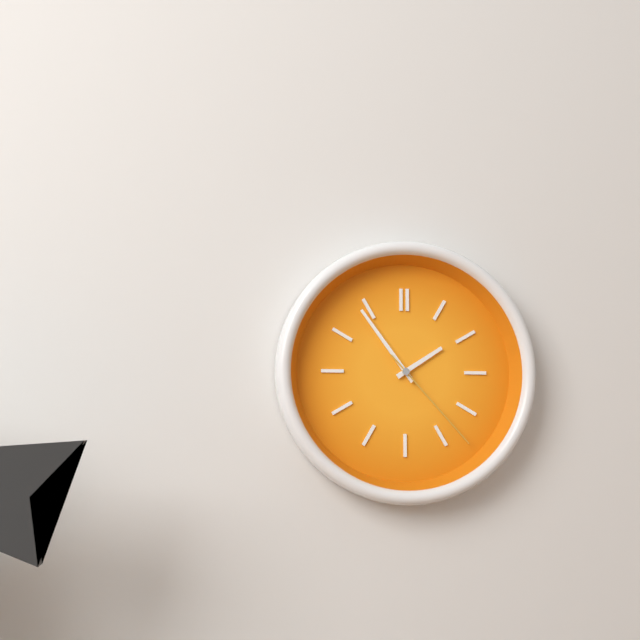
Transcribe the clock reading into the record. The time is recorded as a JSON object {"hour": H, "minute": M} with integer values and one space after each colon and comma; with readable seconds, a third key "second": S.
{"hour": 1, "minute": 54, "second": 23}
